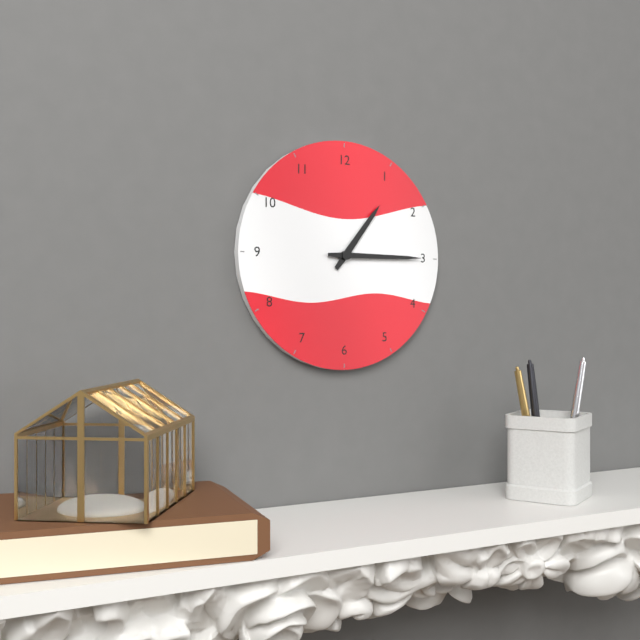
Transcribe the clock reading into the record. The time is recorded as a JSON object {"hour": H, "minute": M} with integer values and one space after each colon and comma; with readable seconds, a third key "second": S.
{"hour": 1, "minute": 15}
